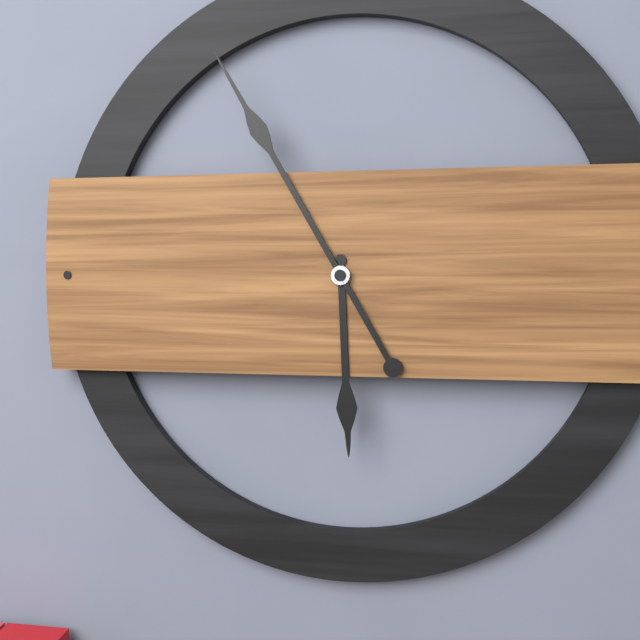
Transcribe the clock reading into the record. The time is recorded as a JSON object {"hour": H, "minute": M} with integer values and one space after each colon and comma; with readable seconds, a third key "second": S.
{"hour": 5, "minute": 55}
